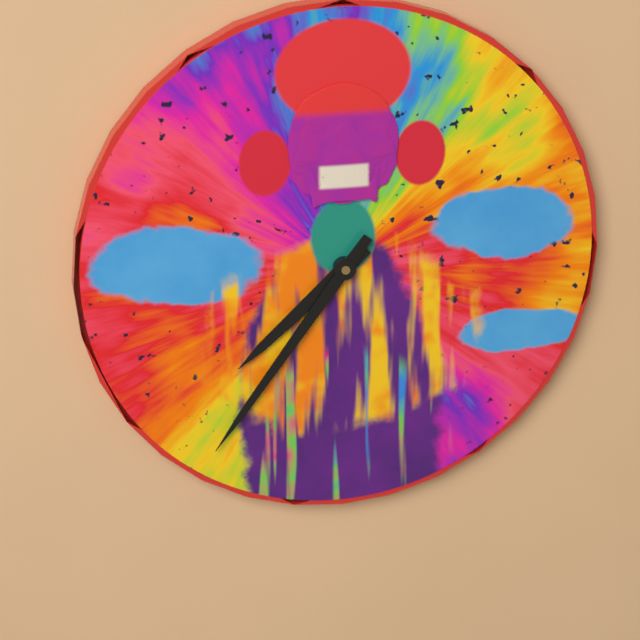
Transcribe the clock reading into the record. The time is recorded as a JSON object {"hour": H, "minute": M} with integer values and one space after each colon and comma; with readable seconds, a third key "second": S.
{"hour": 7, "minute": 36}
